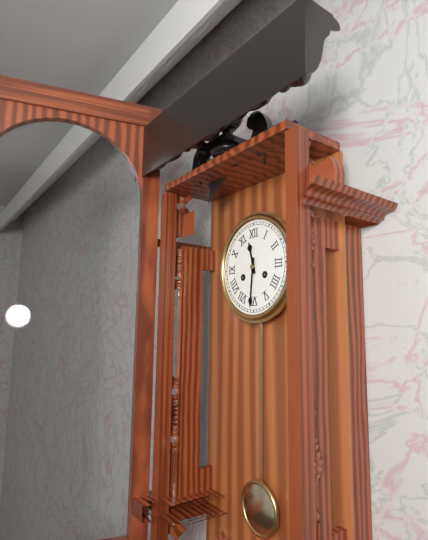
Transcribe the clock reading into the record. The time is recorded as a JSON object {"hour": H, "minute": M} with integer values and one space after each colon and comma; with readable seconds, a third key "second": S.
{"hour": 11, "minute": 31}
